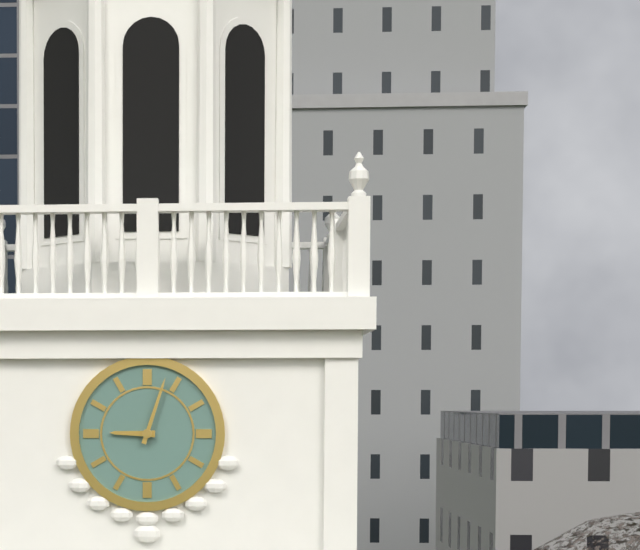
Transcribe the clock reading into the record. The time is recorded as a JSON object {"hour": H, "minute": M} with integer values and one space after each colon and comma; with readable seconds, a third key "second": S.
{"hour": 9, "minute": 3}
